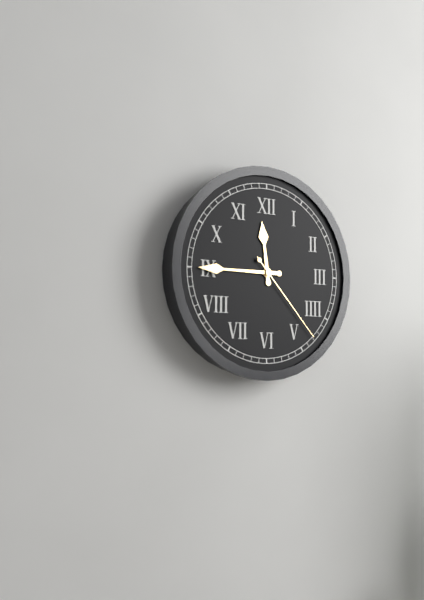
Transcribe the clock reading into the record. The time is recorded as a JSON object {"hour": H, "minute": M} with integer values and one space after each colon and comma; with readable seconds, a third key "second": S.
{"hour": 11, "minute": 45, "second": 23}
